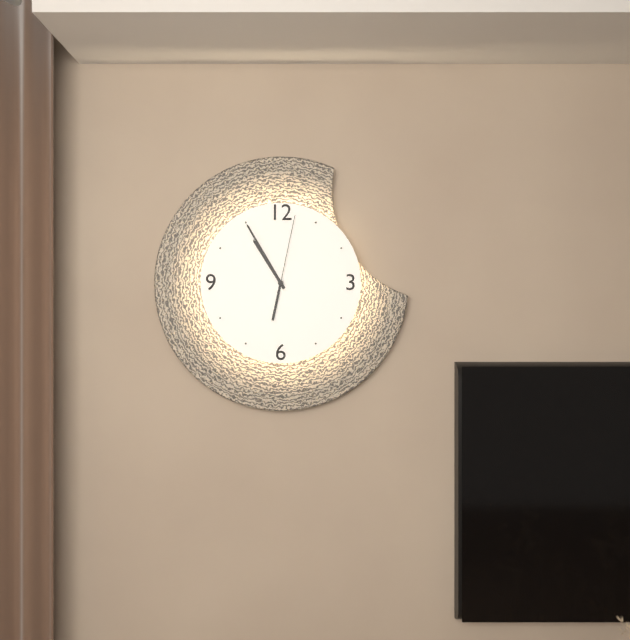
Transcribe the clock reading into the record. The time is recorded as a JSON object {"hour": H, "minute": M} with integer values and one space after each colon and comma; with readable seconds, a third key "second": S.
{"hour": 10, "minute": 55, "second": 2}
